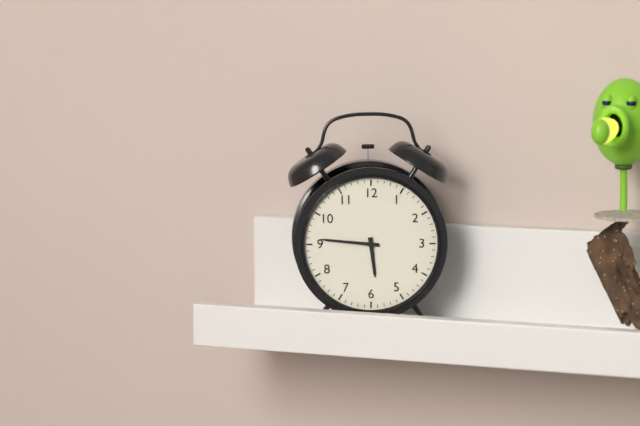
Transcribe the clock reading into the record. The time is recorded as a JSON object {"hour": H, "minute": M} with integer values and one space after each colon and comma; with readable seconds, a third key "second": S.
{"hour": 5, "minute": 46}
